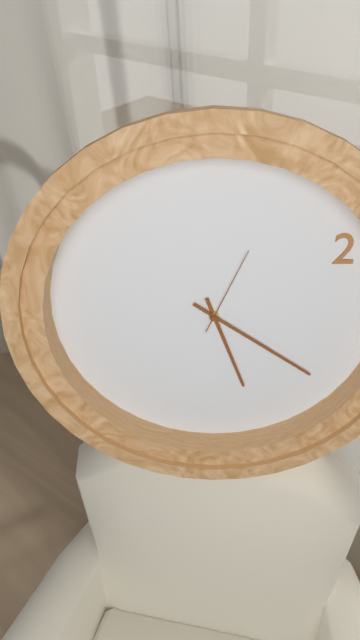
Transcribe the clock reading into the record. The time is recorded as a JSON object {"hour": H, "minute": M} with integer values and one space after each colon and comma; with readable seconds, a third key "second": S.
{"hour": 5, "minute": 21, "second": 4}
